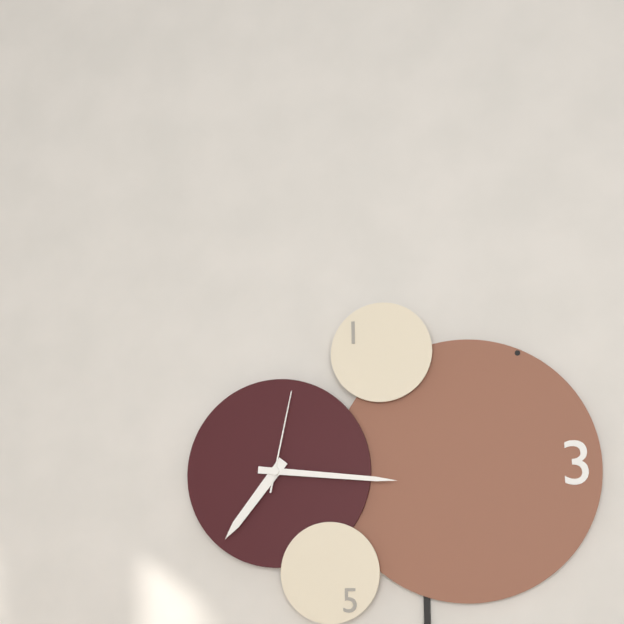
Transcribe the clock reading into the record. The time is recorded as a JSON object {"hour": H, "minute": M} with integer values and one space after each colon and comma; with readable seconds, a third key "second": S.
{"hour": 7, "minute": 16, "second": 2}
